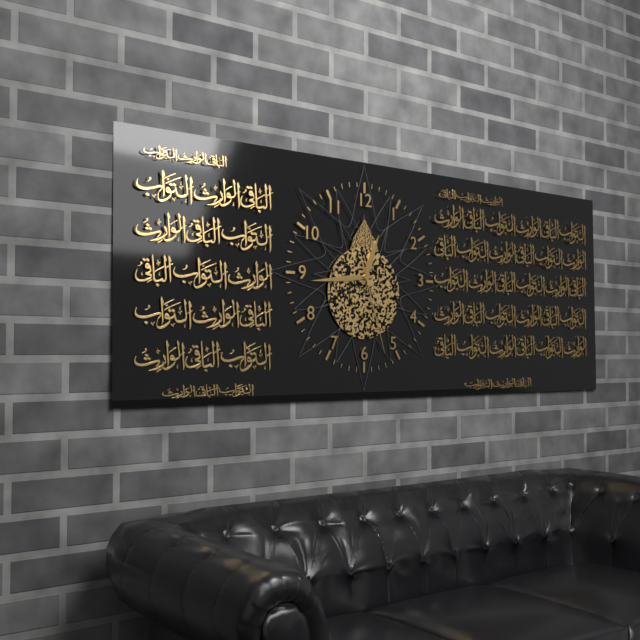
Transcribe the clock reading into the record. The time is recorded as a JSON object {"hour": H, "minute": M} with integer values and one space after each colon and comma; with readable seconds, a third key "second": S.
{"hour": 12, "minute": 44, "second": 27}
